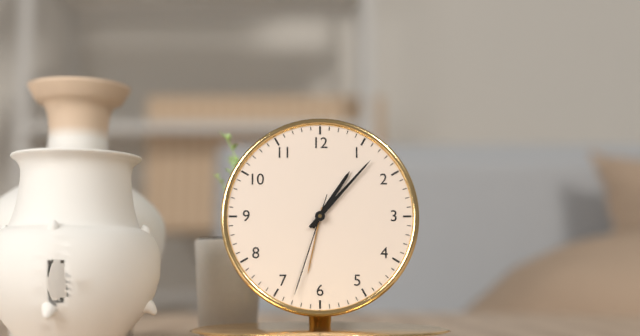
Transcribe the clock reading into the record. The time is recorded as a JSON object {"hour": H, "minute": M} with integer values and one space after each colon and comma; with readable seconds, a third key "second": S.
{"hour": 1, "minute": 7, "second": 33}
